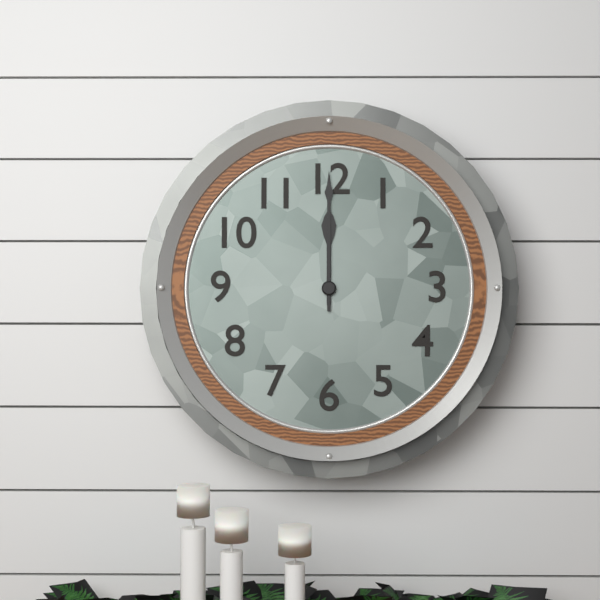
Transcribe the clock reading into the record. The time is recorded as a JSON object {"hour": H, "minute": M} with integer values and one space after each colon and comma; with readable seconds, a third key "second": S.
{"hour": 12, "minute": 0}
